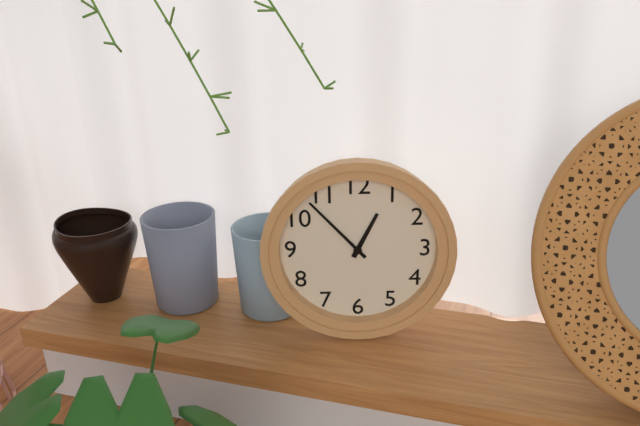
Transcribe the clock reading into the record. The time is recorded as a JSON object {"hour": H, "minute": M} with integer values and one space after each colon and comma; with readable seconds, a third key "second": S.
{"hour": 12, "minute": 53}
